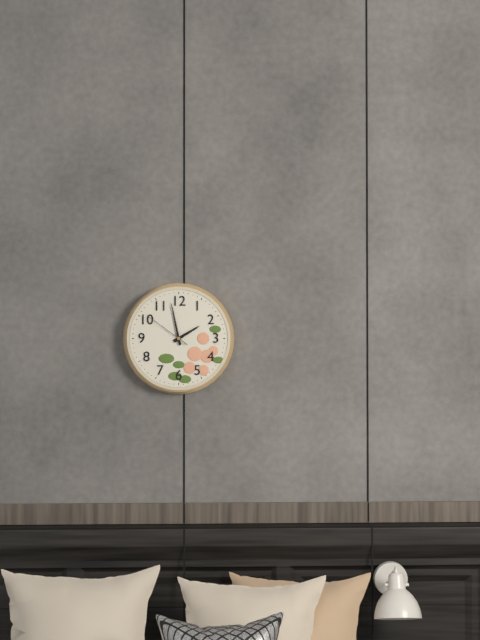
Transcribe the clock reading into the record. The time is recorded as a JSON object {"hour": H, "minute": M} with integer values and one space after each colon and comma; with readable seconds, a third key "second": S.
{"hour": 1, "minute": 58, "second": 51}
